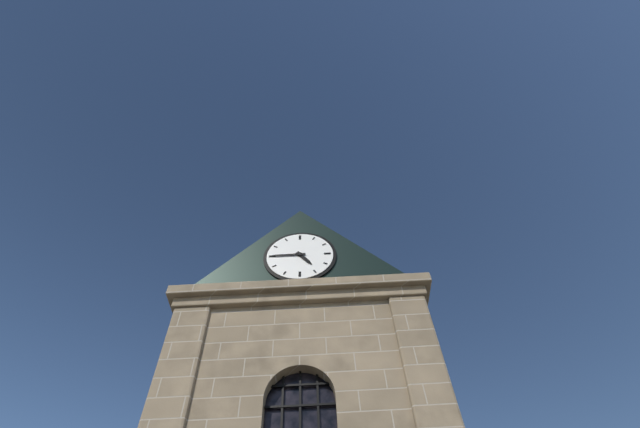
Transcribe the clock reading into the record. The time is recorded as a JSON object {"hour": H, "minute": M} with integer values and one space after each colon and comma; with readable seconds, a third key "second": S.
{"hour": 4, "minute": 45}
